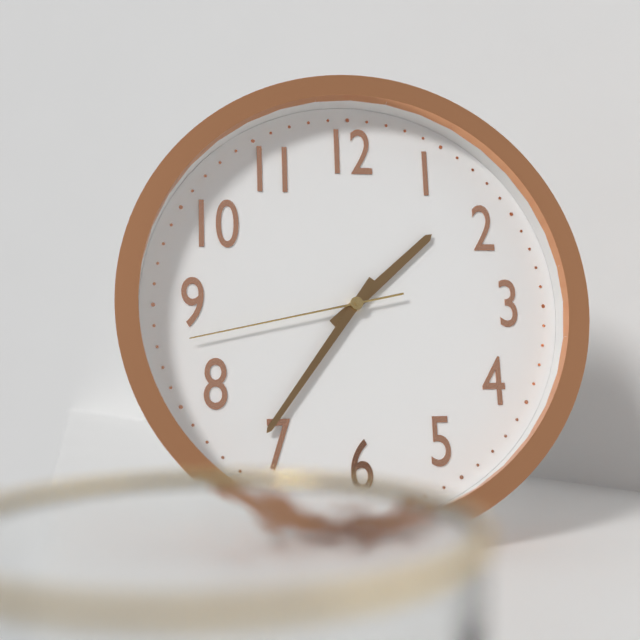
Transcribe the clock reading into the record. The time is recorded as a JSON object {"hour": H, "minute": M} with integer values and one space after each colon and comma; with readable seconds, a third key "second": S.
{"hour": 1, "minute": 36, "second": 43}
